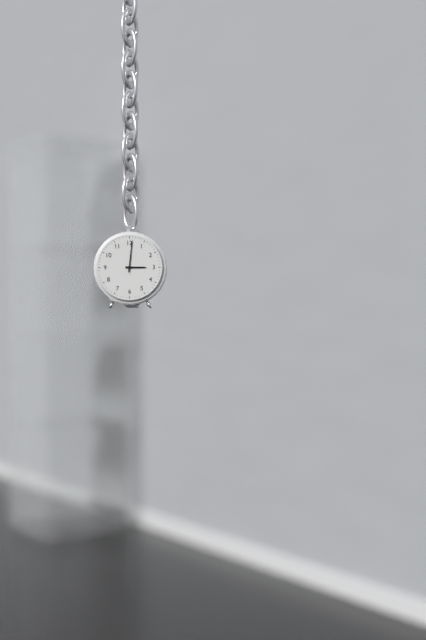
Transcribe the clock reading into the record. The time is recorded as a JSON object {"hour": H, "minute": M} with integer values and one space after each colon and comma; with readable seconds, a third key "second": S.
{"hour": 3, "minute": 1}
